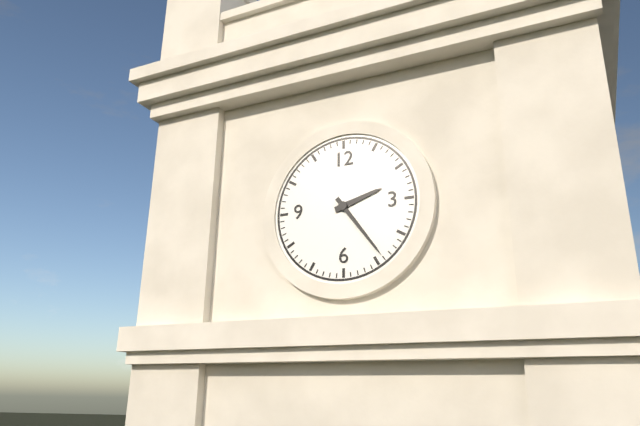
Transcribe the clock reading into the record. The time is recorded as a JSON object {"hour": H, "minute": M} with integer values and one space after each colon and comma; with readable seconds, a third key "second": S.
{"hour": 2, "minute": 24}
